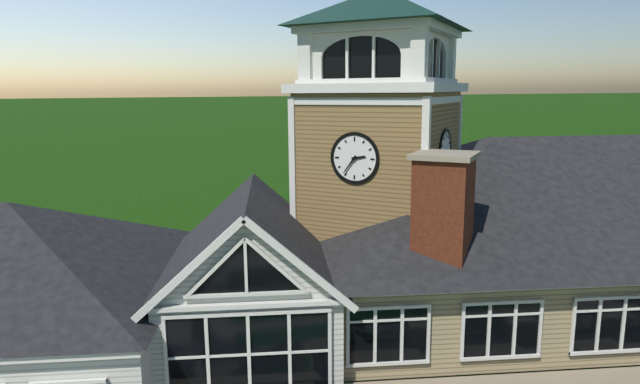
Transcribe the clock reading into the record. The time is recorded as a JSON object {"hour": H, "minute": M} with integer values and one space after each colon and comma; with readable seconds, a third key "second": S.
{"hour": 2, "minute": 36}
